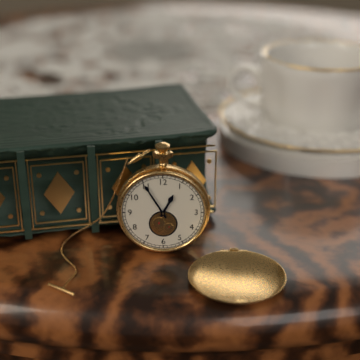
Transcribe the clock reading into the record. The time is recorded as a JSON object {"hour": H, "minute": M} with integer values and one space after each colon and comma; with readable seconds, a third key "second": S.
{"hour": 12, "minute": 55}
